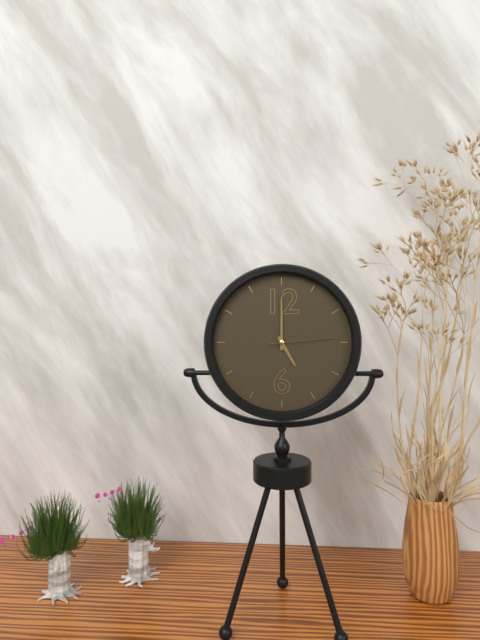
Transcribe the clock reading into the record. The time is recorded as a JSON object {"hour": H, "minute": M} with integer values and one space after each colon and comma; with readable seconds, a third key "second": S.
{"hour": 5, "minute": 0, "second": 14}
